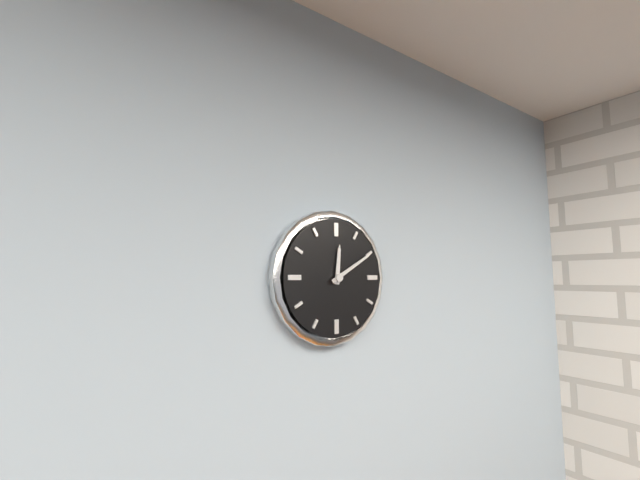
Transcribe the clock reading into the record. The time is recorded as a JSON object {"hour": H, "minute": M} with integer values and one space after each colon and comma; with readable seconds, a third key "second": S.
{"hour": 12, "minute": 10}
